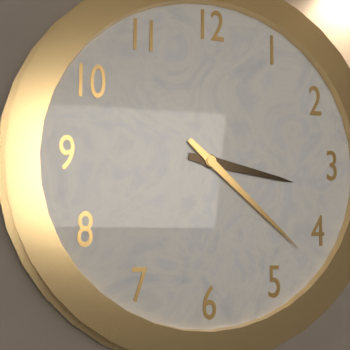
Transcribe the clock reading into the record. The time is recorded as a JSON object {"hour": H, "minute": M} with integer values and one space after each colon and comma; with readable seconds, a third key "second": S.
{"hour": 3, "minute": 22}
